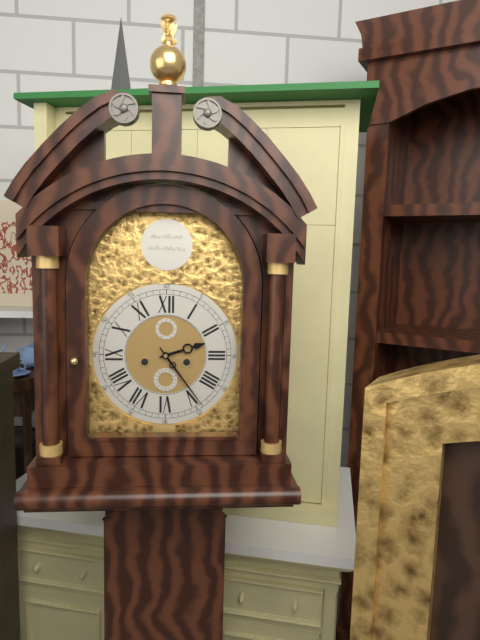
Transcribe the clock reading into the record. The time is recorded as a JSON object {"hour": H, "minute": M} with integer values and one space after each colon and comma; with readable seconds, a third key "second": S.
{"hour": 2, "minute": 24}
